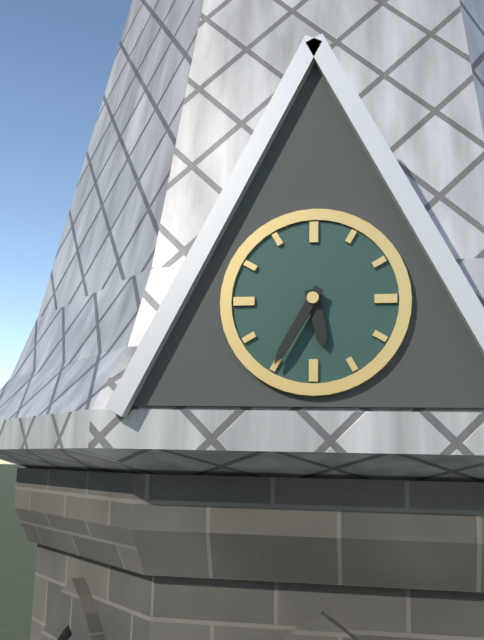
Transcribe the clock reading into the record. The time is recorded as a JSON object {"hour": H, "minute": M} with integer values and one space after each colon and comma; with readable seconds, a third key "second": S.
{"hour": 5, "minute": 35}
